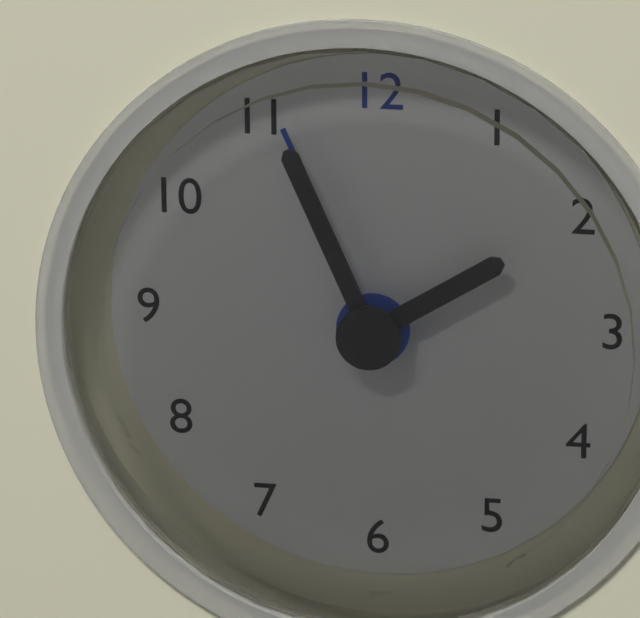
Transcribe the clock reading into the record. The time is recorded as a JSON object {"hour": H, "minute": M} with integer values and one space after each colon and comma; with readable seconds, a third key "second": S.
{"hour": 1, "minute": 56, "second": 56}
